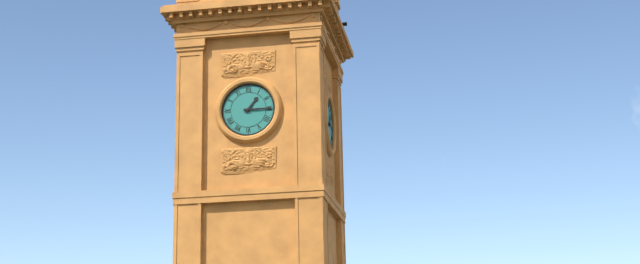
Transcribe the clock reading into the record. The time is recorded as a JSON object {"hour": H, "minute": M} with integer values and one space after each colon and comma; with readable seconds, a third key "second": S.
{"hour": 1, "minute": 15}
